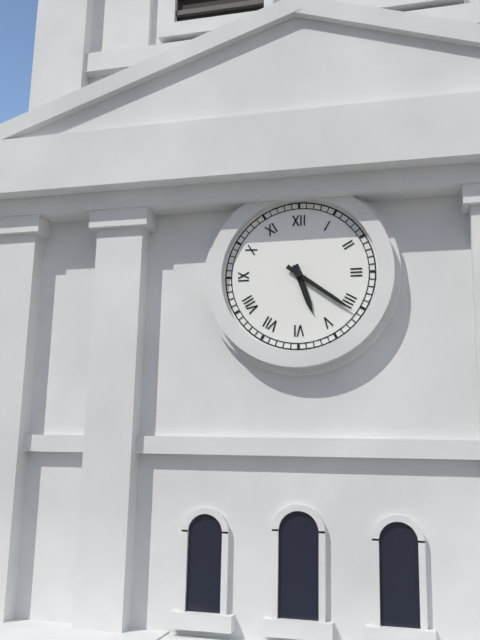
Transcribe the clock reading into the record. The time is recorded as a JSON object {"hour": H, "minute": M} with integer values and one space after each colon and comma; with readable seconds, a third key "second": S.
{"hour": 5, "minute": 21}
